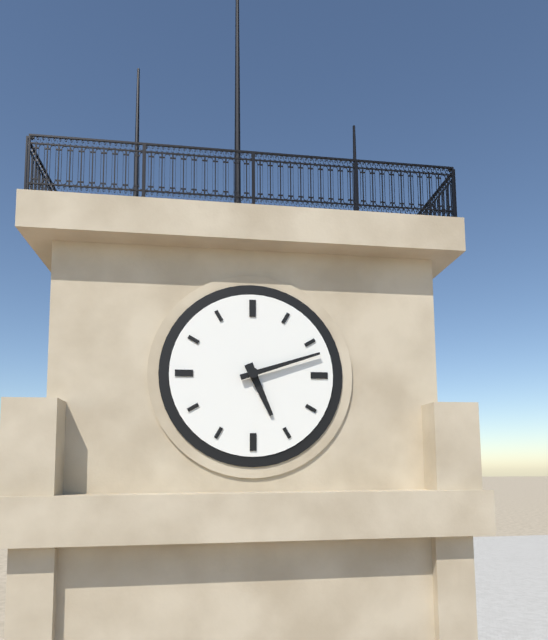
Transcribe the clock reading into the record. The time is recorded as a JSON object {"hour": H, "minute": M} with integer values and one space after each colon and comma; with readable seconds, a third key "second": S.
{"hour": 5, "minute": 12}
